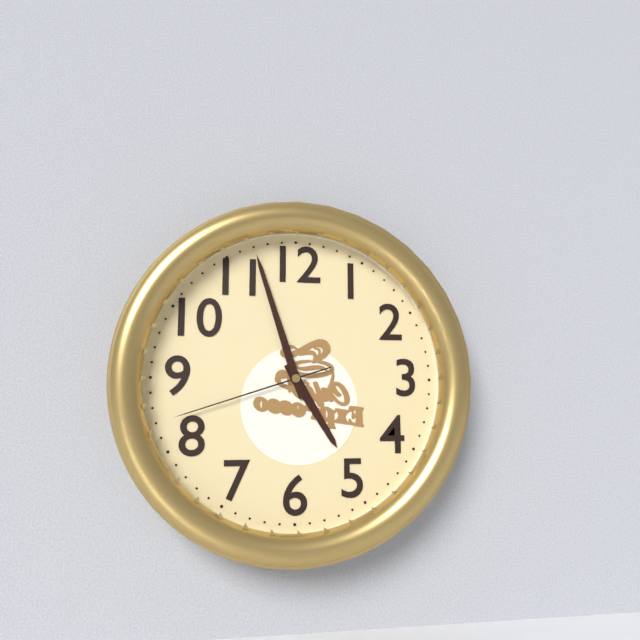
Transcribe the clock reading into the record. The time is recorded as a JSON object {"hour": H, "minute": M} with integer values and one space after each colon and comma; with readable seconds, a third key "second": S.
{"hour": 4, "minute": 57, "second": 42}
